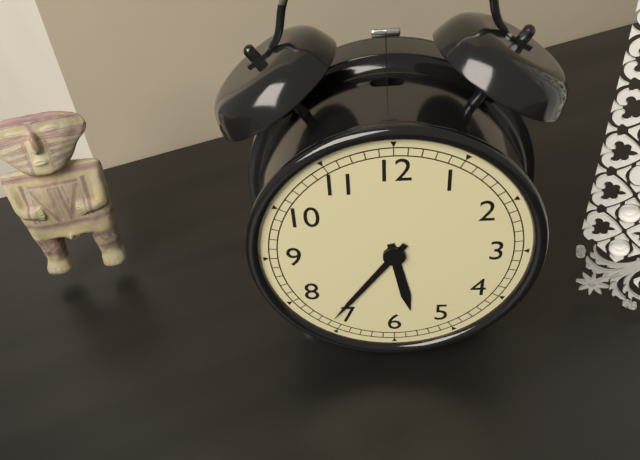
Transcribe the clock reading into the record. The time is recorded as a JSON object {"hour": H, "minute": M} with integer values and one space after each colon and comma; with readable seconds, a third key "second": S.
{"hour": 5, "minute": 36}
